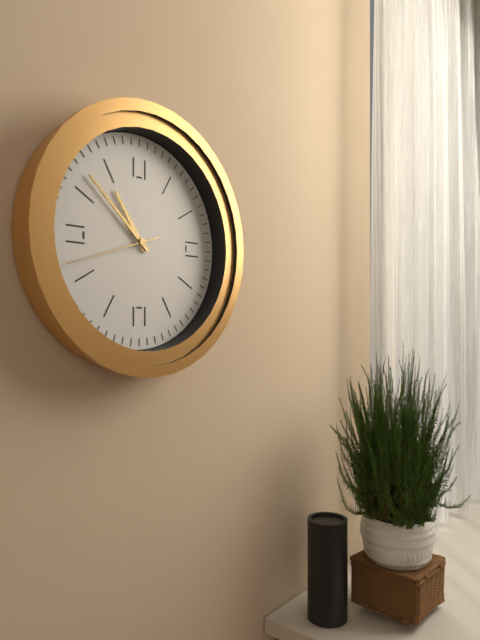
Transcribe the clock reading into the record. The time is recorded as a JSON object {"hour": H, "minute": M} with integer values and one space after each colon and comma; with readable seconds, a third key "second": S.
{"hour": 10, "minute": 52, "second": 42}
